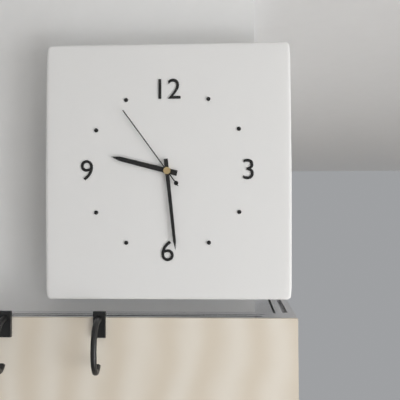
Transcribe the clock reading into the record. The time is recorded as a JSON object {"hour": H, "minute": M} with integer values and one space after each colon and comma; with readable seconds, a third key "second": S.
{"hour": 9, "minute": 29, "second": 54}
